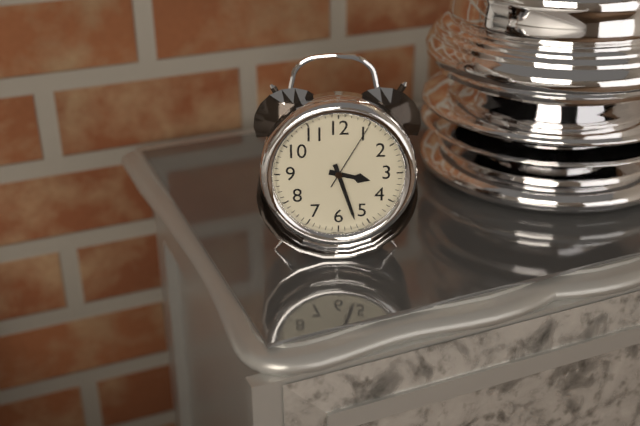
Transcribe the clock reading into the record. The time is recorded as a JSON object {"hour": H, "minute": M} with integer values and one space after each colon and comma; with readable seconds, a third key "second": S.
{"hour": 3, "minute": 27, "second": 5}
